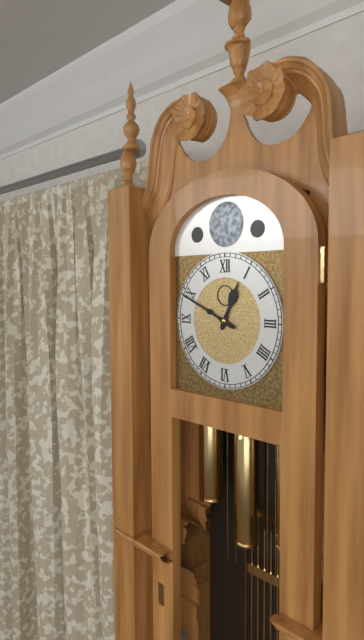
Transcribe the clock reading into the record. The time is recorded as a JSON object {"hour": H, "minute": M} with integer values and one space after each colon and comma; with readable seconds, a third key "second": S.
{"hour": 12, "minute": 49}
